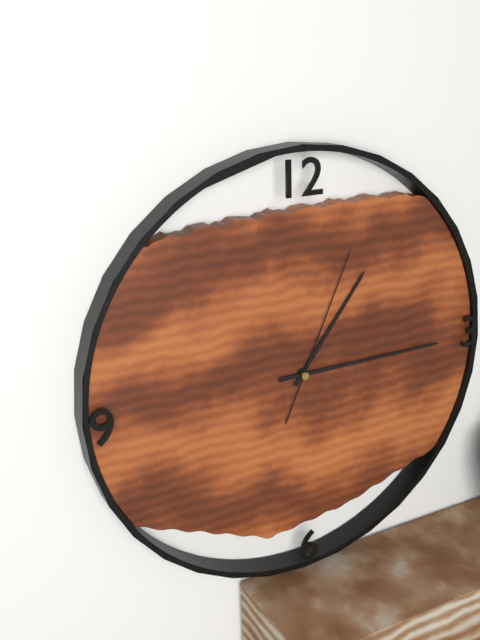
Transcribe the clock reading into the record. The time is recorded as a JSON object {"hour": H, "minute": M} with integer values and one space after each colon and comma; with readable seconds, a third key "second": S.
{"hour": 1, "minute": 15, "second": 4}
